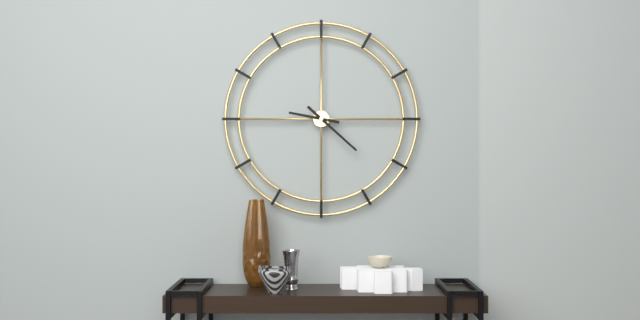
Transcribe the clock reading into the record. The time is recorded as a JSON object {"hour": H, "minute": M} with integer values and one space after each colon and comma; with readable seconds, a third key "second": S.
{"hour": 9, "minute": 22}
